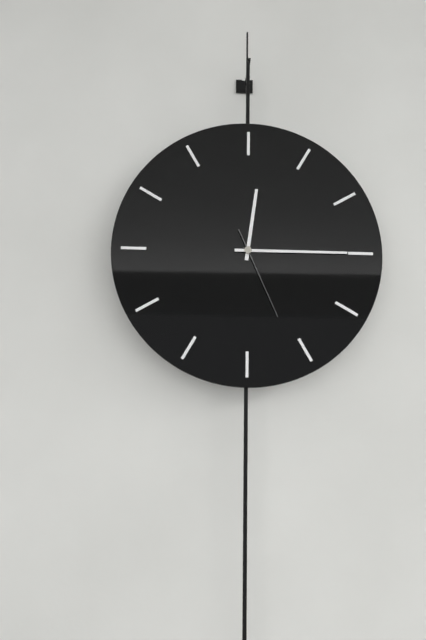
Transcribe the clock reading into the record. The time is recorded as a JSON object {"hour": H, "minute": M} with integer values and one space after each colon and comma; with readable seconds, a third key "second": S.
{"hour": 12, "minute": 15, "second": 26}
